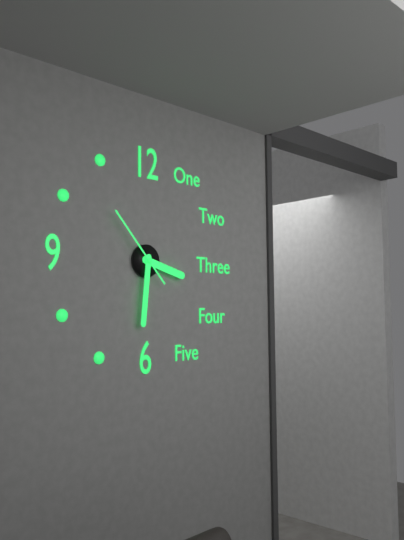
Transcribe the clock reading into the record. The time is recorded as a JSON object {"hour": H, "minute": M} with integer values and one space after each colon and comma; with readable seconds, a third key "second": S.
{"hour": 3, "minute": 31, "second": 53}
